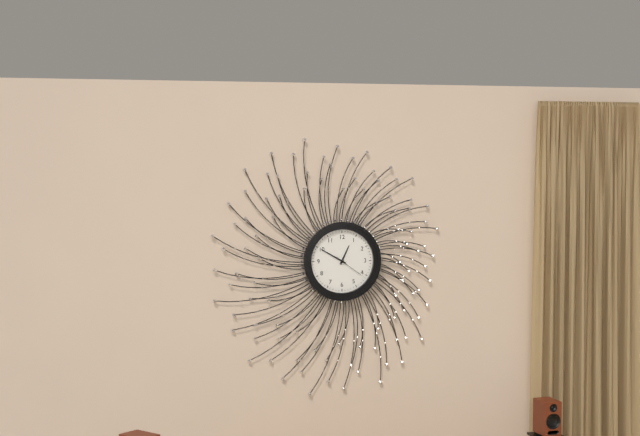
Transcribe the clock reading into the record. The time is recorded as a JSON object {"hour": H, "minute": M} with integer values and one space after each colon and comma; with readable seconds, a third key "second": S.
{"hour": 12, "minute": 50}
